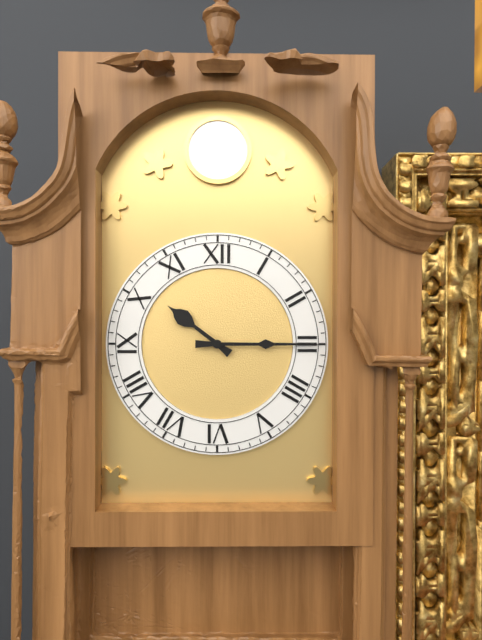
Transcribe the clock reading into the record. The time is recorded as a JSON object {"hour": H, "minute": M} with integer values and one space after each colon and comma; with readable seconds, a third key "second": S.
{"hour": 10, "minute": 15}
